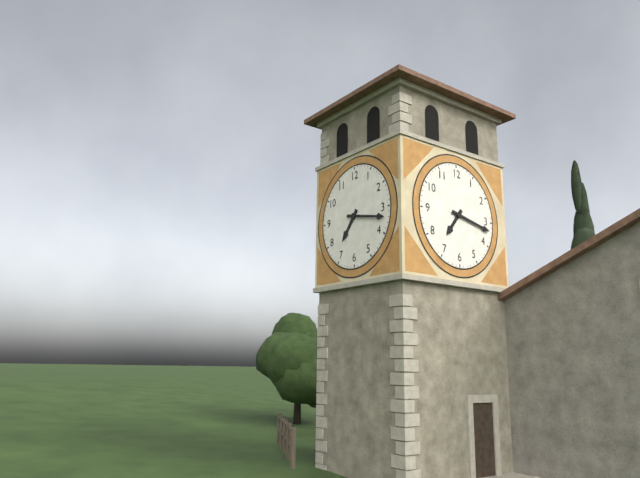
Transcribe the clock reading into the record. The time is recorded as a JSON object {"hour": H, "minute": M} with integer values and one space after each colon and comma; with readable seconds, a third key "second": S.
{"hour": 7, "minute": 17}
